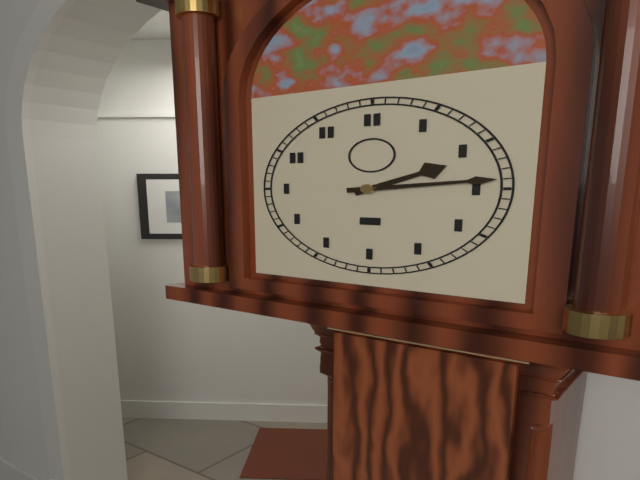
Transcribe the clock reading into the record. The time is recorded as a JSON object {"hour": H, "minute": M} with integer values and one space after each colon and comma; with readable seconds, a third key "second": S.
{"hour": 2, "minute": 14}
